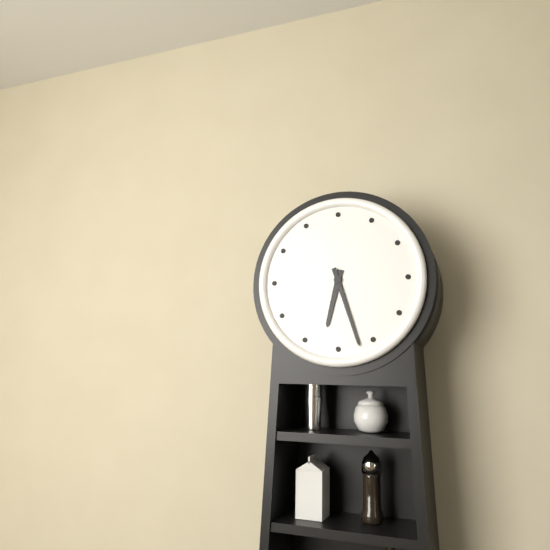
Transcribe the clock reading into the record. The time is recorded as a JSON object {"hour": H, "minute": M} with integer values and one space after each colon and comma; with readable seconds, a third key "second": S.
{"hour": 6, "minute": 27}
